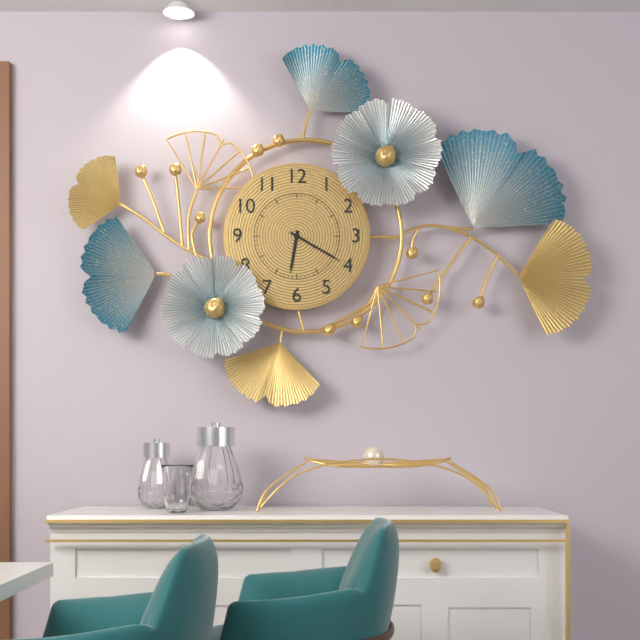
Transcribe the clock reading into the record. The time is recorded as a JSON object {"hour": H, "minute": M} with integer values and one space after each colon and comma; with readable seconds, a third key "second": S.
{"hour": 6, "minute": 20}
